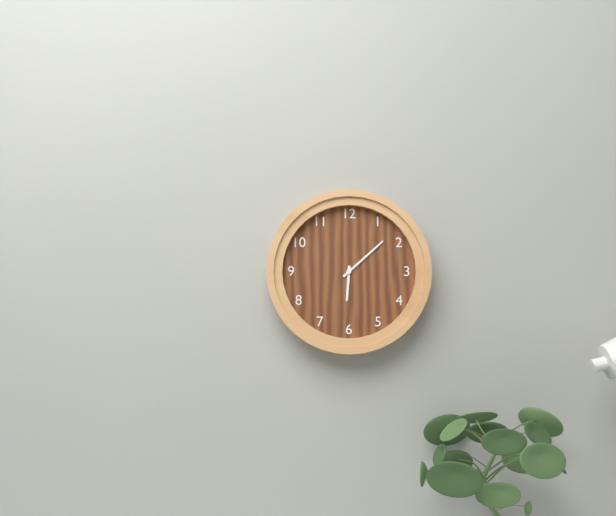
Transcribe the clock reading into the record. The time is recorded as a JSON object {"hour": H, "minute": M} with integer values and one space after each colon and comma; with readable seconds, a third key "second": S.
{"hour": 6, "minute": 8}
